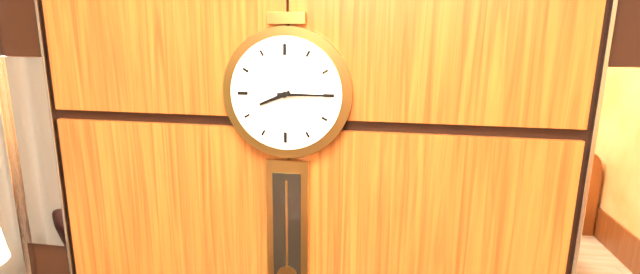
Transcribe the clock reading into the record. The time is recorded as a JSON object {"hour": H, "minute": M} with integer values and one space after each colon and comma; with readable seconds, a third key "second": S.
{"hour": 8, "minute": 15}
